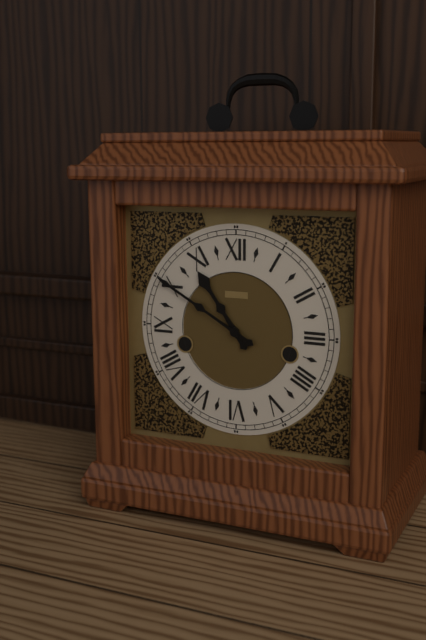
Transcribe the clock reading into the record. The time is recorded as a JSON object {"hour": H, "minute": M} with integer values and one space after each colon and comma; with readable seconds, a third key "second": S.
{"hour": 10, "minute": 50}
